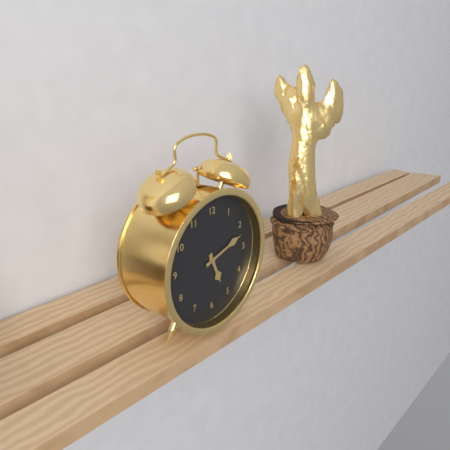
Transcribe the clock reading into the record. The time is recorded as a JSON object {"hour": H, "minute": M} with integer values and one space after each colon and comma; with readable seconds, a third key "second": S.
{"hour": 5, "minute": 12}
